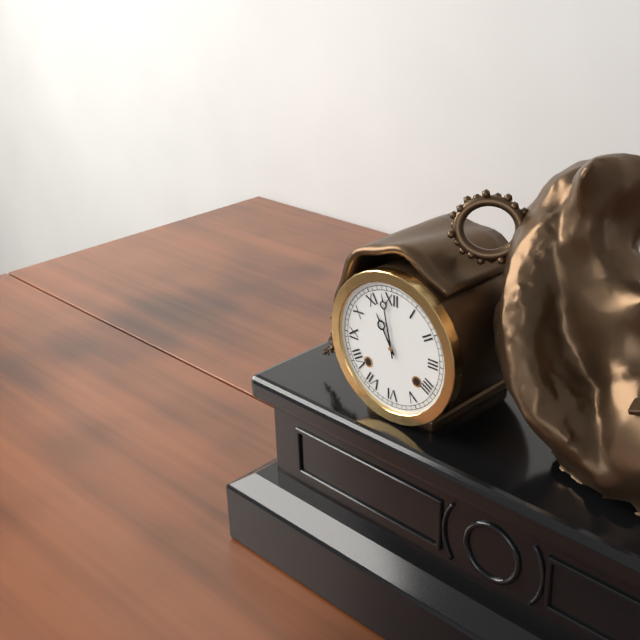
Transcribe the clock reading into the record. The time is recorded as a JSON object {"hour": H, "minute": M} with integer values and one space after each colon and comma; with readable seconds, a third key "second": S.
{"hour": 10, "minute": 58}
